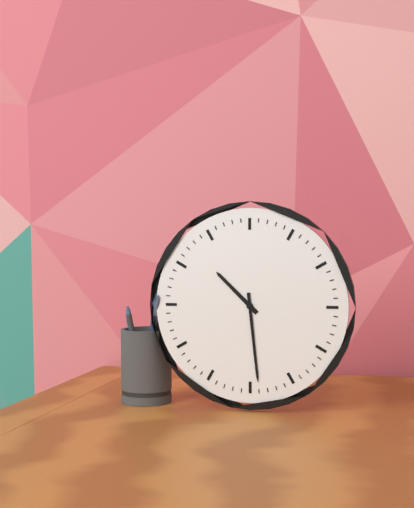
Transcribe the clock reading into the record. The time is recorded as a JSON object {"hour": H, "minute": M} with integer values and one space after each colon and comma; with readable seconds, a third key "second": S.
{"hour": 10, "minute": 29}
